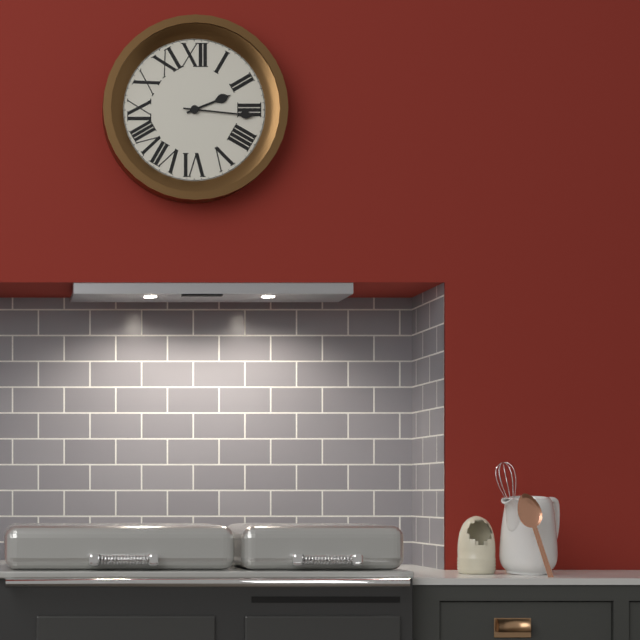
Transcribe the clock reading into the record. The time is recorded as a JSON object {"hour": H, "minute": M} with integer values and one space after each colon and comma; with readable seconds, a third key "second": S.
{"hour": 2, "minute": 16}
